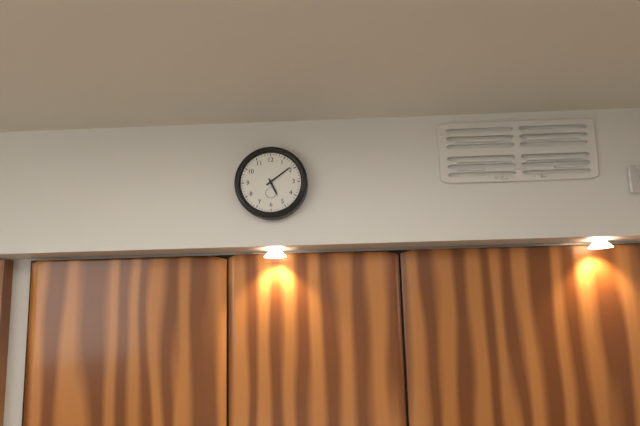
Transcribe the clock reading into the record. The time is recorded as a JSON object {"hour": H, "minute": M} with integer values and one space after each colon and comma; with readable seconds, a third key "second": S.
{"hour": 5, "minute": 9}
